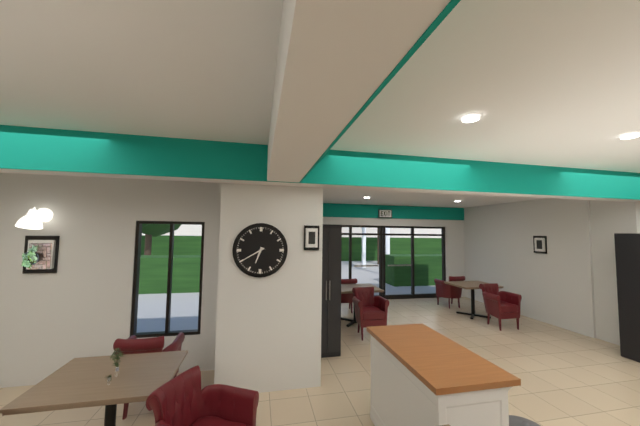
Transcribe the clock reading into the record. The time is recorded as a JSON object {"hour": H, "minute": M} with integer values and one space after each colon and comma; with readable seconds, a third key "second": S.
{"hour": 6, "minute": 40}
